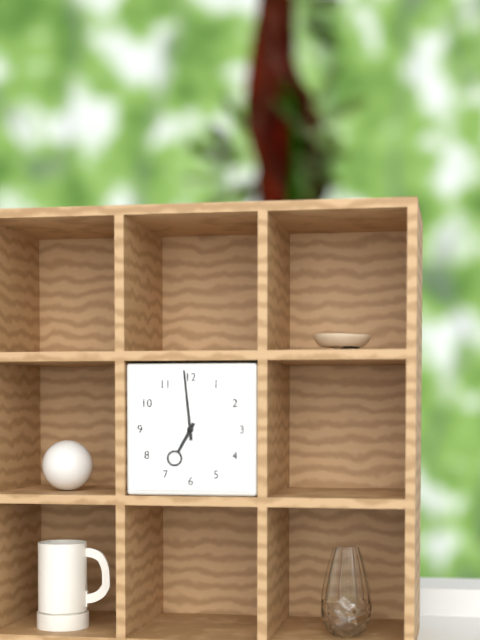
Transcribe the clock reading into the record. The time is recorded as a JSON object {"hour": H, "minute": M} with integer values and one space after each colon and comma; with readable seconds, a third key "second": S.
{"hour": 6, "minute": 59}
